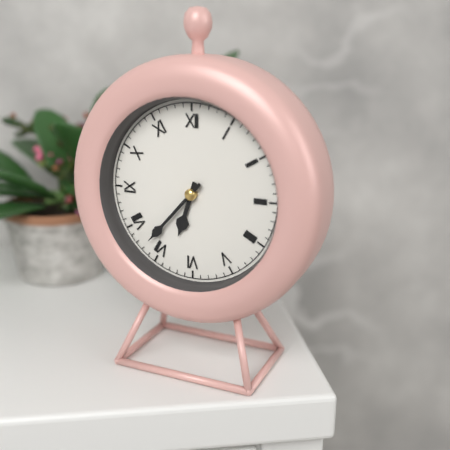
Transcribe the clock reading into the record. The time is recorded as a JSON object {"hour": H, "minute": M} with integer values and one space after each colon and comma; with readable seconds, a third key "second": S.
{"hour": 6, "minute": 37}
